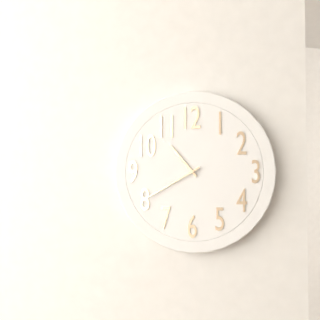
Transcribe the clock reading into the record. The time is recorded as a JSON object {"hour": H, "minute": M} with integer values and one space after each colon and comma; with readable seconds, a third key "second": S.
{"hour": 10, "minute": 40}
